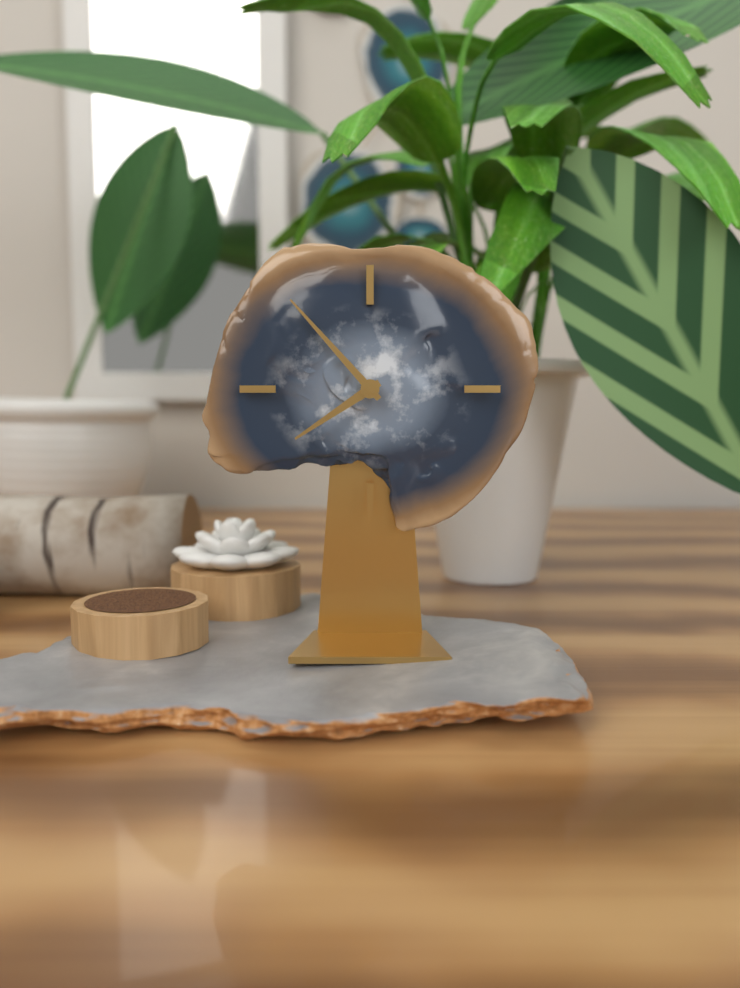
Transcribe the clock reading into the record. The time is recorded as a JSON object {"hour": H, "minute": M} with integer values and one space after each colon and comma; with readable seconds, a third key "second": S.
{"hour": 7, "minute": 53}
